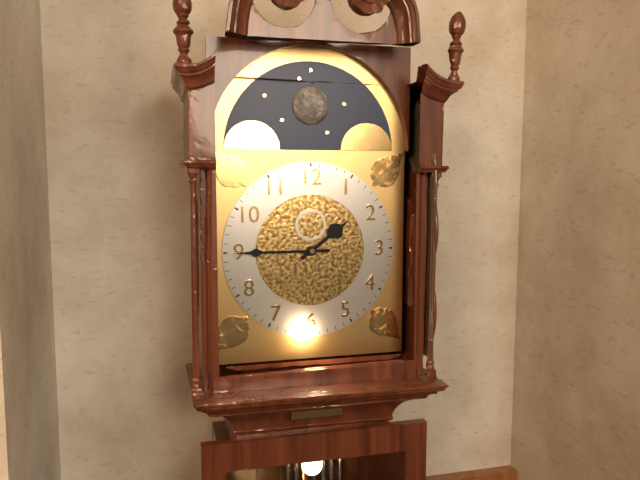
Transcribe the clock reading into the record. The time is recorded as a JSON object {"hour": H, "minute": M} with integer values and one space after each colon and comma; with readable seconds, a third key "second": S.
{"hour": 1, "minute": 45}
